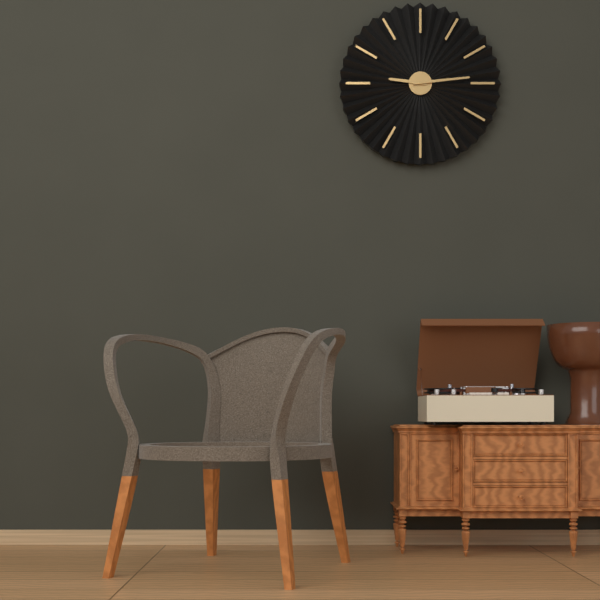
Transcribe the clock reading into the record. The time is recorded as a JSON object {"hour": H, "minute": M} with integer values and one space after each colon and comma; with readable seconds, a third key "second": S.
{"hour": 9, "minute": 14}
